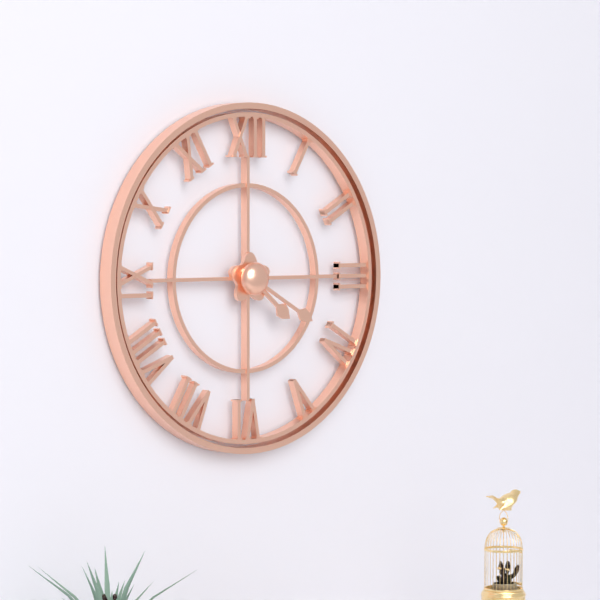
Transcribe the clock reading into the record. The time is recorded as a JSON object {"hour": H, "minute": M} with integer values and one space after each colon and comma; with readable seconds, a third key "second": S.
{"hour": 4, "minute": 20}
